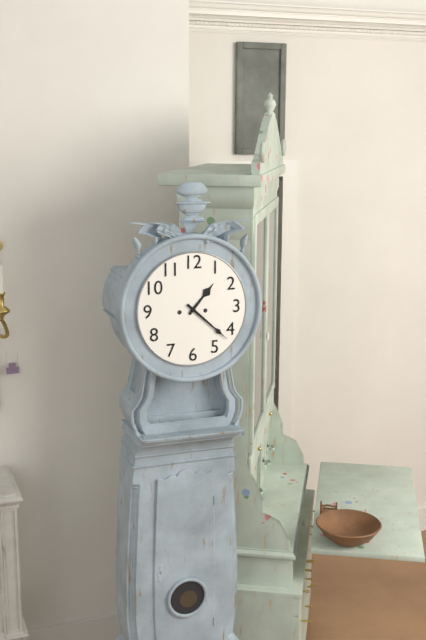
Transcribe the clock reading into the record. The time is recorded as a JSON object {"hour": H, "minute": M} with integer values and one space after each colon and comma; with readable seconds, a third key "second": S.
{"hour": 1, "minute": 22}
